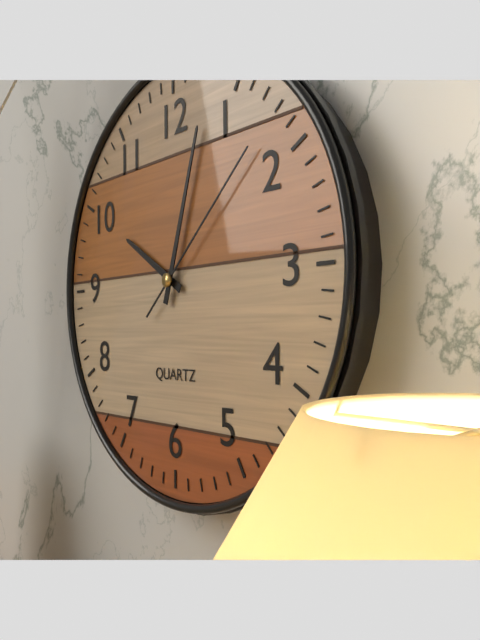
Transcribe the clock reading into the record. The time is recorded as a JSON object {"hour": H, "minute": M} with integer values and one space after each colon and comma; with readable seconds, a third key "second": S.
{"hour": 10, "minute": 3, "second": 8}
